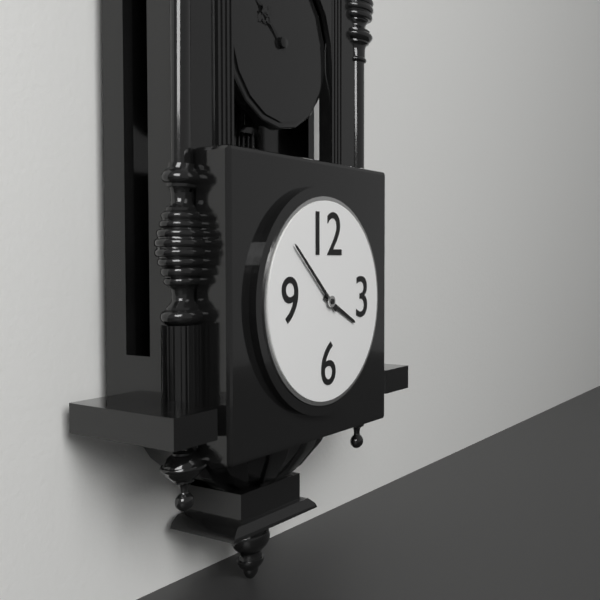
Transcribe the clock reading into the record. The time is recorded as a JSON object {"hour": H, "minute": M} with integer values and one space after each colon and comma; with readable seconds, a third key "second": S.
{"hour": 3, "minute": 52}
